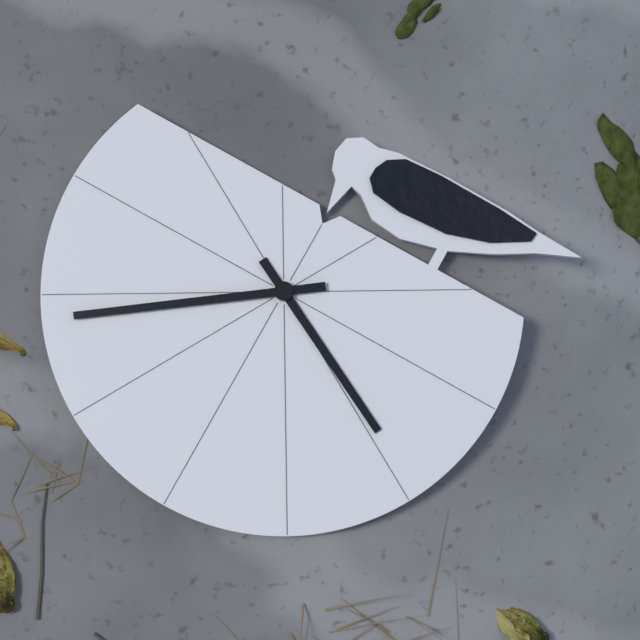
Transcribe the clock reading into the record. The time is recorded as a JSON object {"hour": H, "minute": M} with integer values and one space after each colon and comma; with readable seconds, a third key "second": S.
{"hour": 6, "minute": 54}
